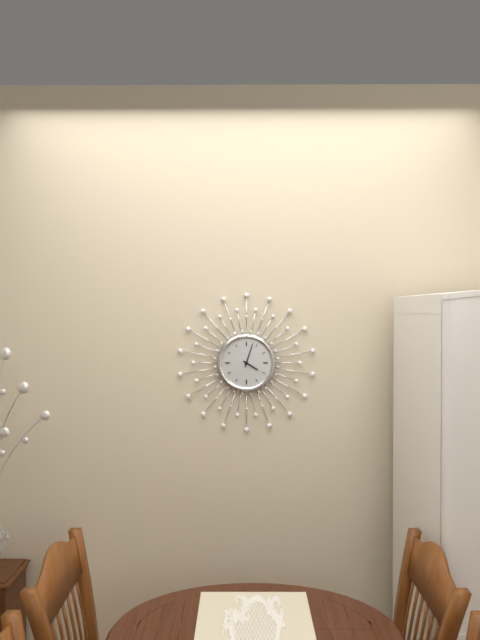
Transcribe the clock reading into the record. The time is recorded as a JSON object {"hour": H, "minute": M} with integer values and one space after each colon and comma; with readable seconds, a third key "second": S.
{"hour": 4, "minute": 3}
